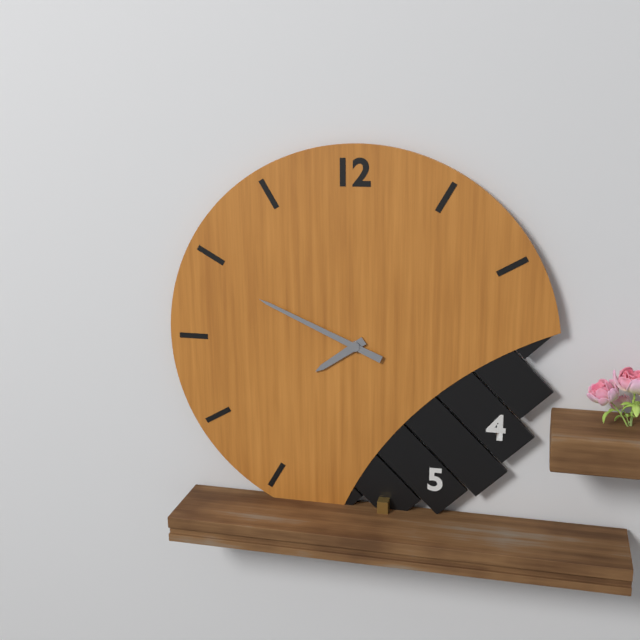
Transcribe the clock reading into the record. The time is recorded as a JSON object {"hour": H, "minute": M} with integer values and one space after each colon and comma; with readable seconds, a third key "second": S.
{"hour": 7, "minute": 49}
